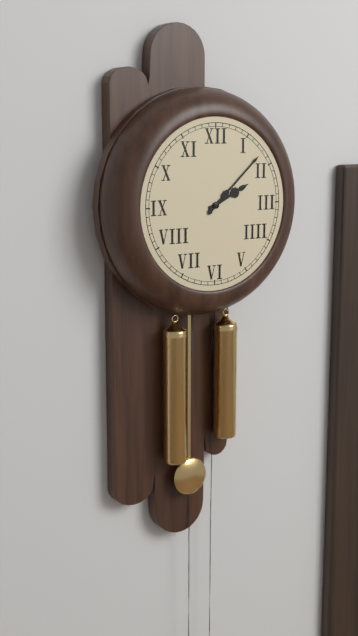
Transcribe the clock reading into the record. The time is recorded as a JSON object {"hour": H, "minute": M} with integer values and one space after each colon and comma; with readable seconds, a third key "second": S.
{"hour": 2, "minute": 8}
